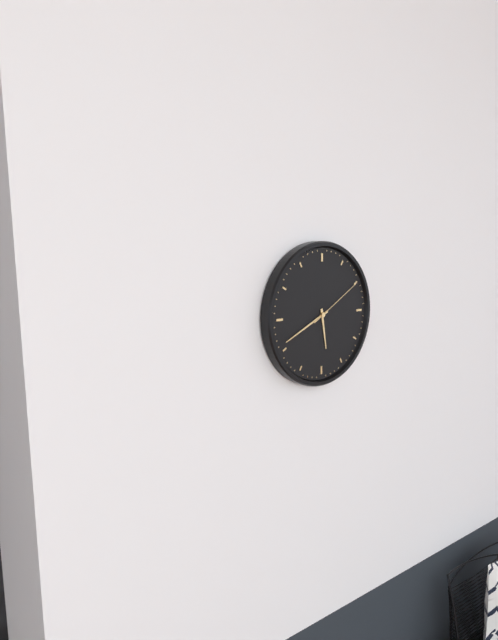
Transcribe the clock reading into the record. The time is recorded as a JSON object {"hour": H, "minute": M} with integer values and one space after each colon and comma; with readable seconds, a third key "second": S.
{"hour": 5, "minute": 41, "second": 10}
